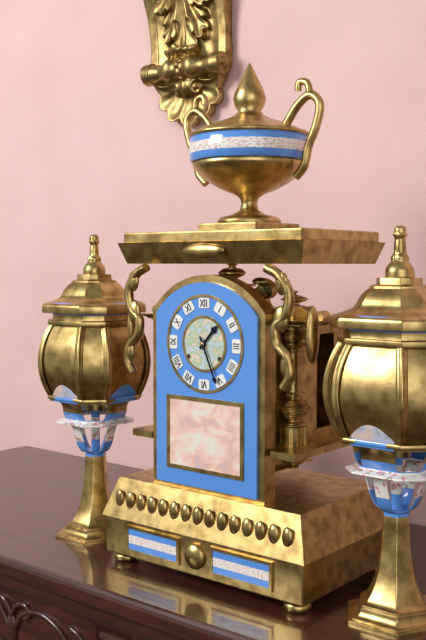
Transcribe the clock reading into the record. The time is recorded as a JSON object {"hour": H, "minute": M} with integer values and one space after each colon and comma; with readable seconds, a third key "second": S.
{"hour": 1, "minute": 26}
